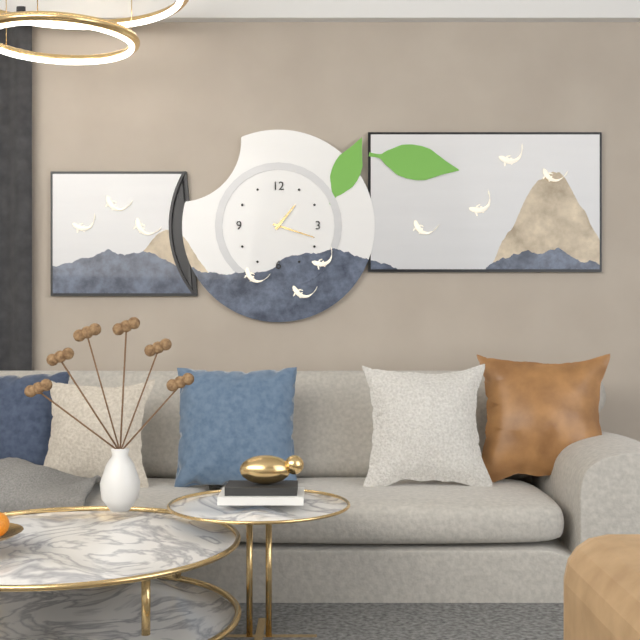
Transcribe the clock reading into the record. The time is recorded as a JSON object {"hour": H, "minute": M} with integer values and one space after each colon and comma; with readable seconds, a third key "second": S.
{"hour": 1, "minute": 18}
